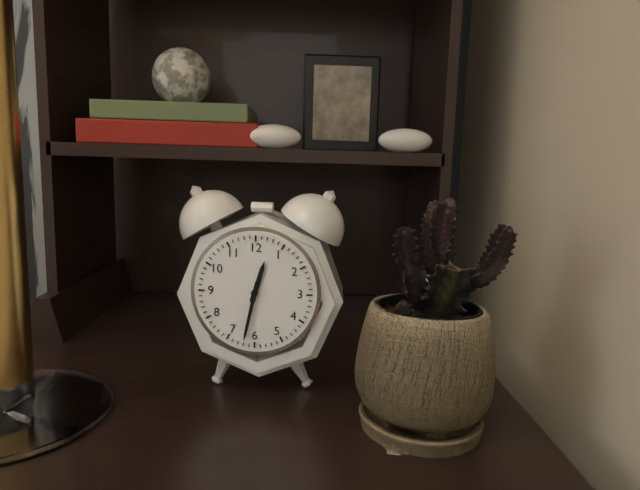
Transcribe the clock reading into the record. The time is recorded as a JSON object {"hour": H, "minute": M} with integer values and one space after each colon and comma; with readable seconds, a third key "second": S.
{"hour": 12, "minute": 32}
